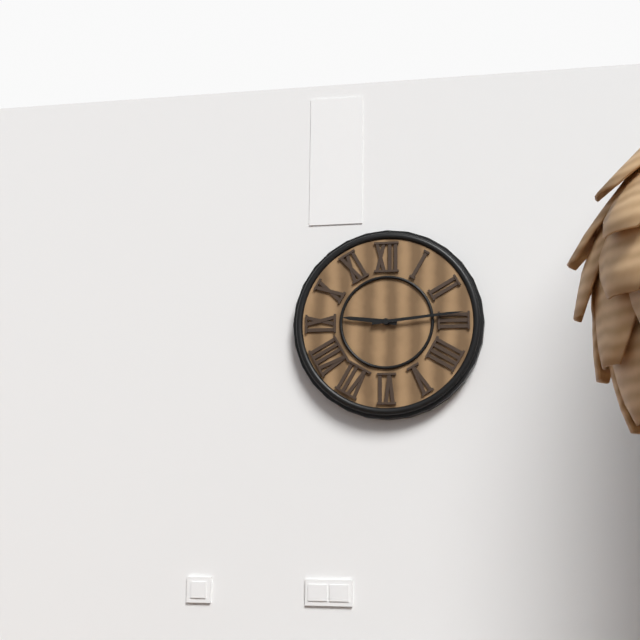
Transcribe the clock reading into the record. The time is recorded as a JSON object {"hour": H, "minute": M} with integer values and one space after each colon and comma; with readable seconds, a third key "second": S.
{"hour": 9, "minute": 14}
